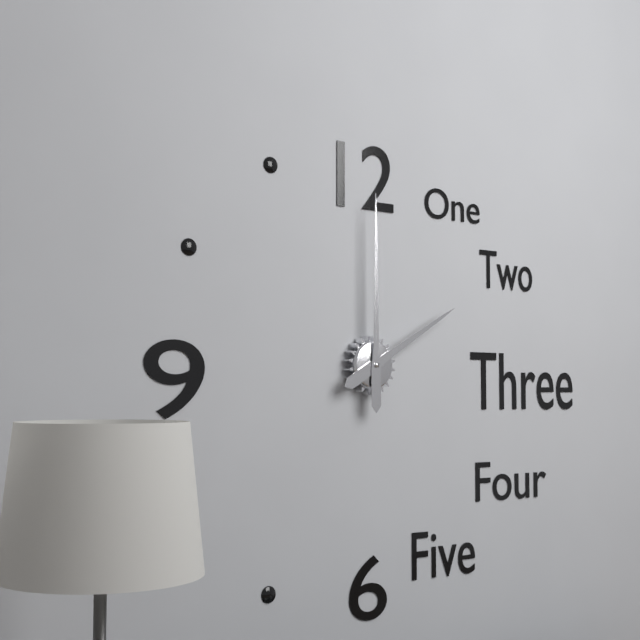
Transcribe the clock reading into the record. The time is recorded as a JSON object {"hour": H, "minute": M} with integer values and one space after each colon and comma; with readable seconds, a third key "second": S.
{"hour": 2, "minute": 0}
